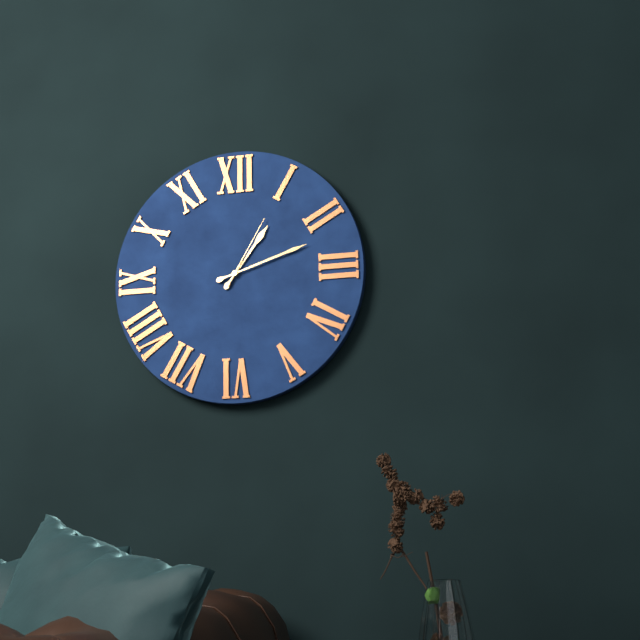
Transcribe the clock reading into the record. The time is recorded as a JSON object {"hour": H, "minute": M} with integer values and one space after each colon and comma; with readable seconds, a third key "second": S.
{"hour": 1, "minute": 12, "second": 5}
